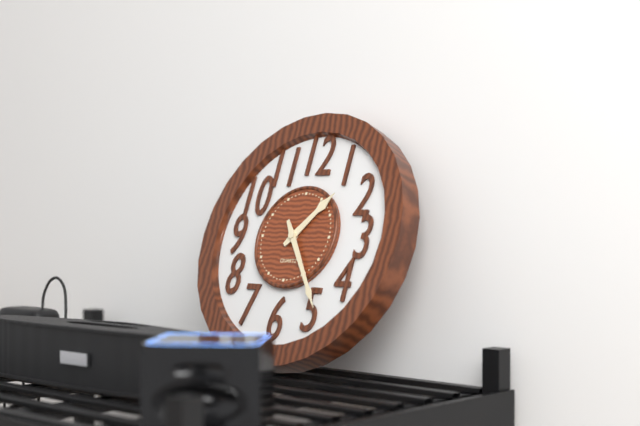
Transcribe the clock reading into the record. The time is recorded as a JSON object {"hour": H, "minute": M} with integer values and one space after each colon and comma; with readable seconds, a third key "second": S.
{"hour": 1, "minute": 24}
